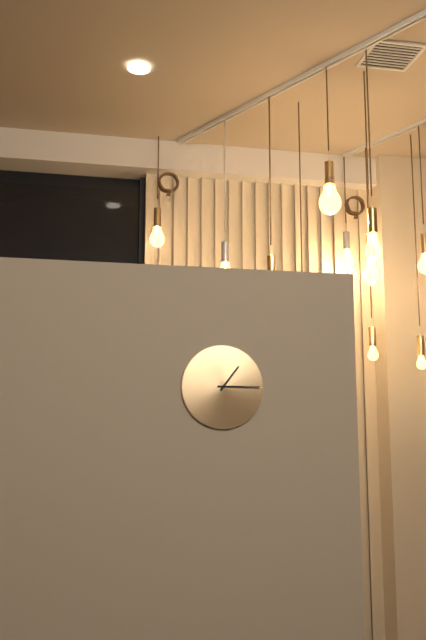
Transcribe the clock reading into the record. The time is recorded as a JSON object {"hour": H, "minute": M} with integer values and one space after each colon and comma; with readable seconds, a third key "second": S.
{"hour": 1, "minute": 15}
